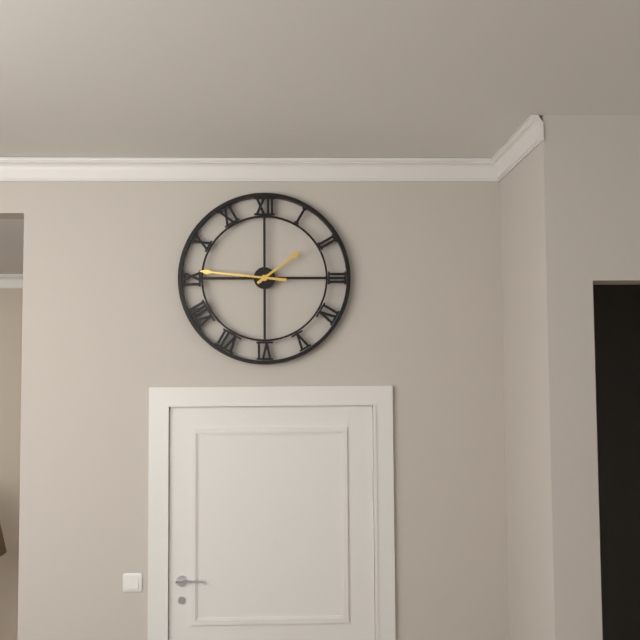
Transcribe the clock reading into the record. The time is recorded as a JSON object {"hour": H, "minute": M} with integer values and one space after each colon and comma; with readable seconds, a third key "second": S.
{"hour": 1, "minute": 46}
